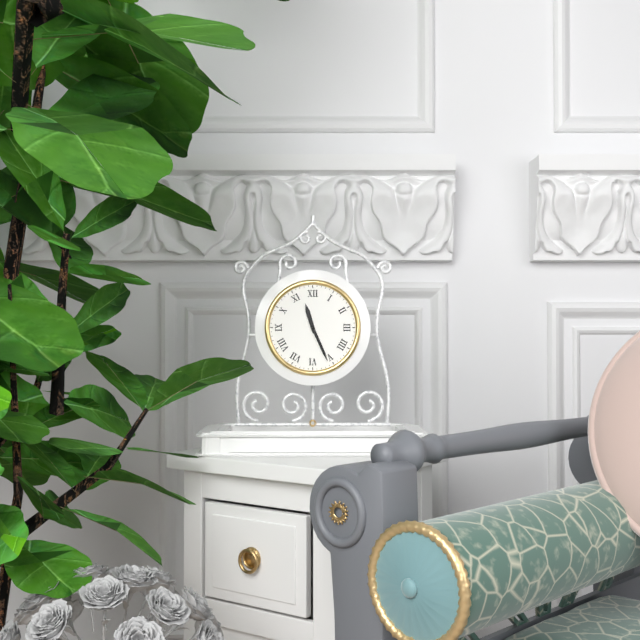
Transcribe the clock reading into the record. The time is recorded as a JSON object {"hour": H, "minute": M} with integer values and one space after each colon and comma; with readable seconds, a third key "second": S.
{"hour": 11, "minute": 26}
